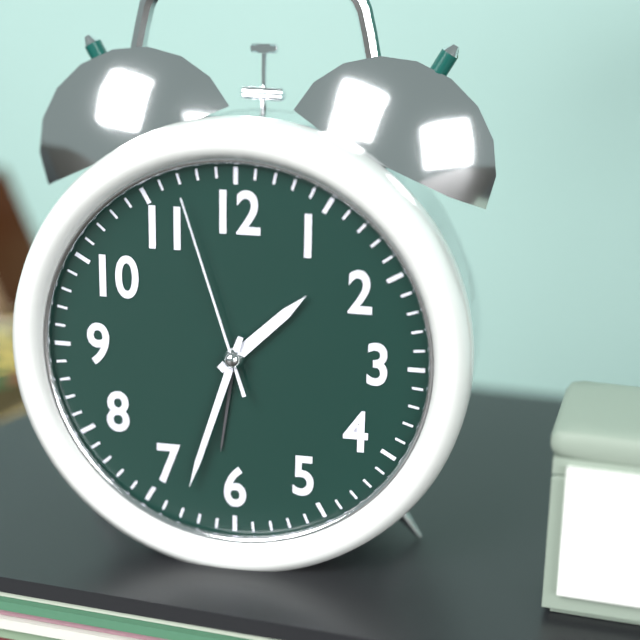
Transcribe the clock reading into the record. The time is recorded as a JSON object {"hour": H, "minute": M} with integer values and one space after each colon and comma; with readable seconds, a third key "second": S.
{"hour": 1, "minute": 33, "second": 57}
